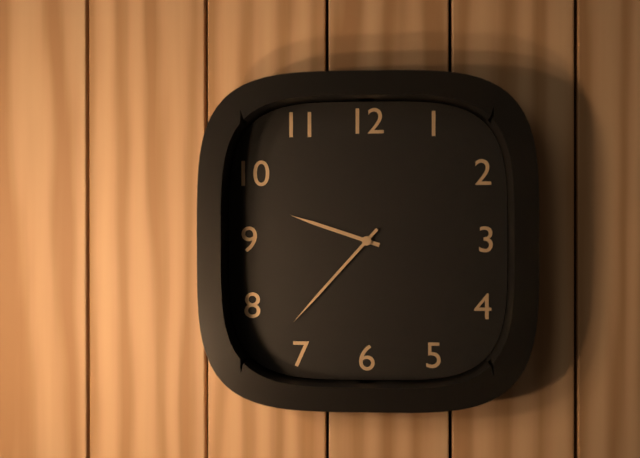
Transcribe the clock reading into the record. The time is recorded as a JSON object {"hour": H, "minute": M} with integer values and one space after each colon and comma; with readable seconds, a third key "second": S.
{"hour": 9, "minute": 37}
